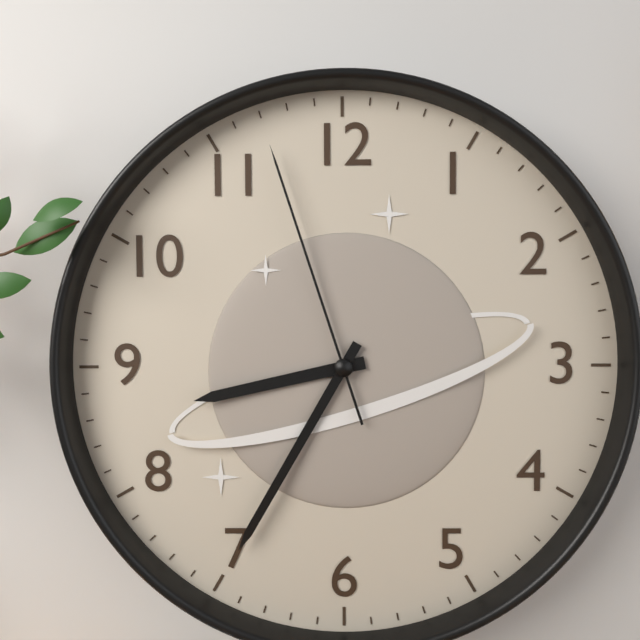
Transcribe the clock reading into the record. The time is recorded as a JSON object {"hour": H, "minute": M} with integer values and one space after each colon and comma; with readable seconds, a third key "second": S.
{"hour": 8, "minute": 35, "second": 57}
